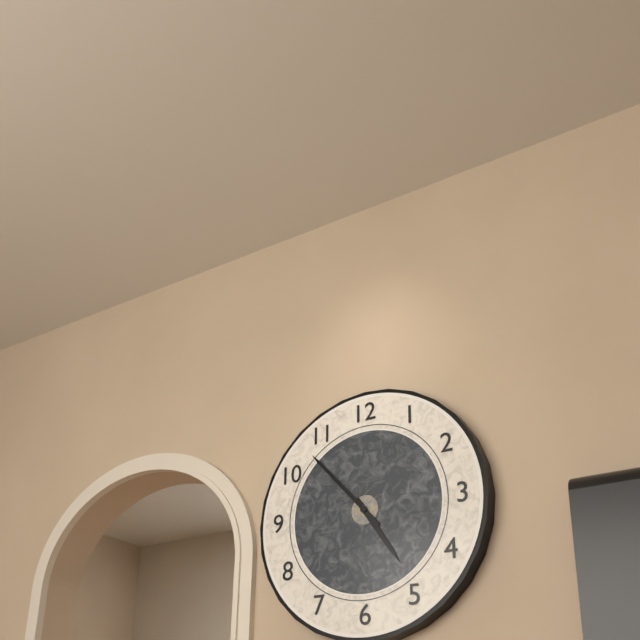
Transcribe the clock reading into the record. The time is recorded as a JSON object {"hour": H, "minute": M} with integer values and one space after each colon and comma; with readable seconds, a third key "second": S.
{"hour": 4, "minute": 53}
